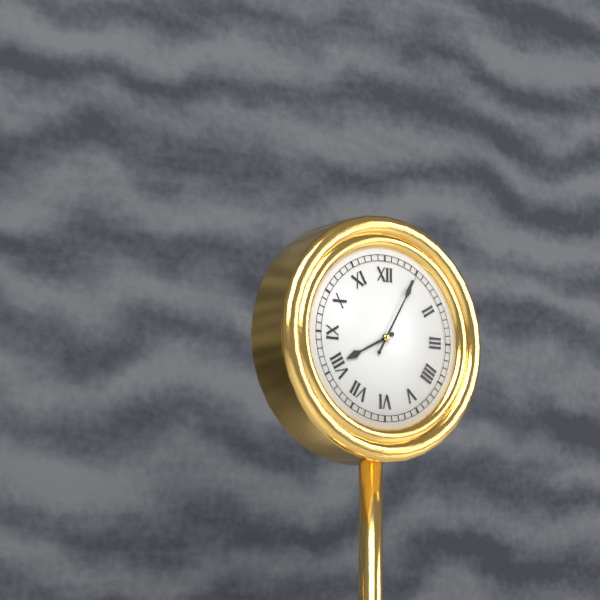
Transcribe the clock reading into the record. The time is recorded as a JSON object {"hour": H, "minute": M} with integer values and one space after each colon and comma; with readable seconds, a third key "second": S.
{"hour": 8, "minute": 5}
